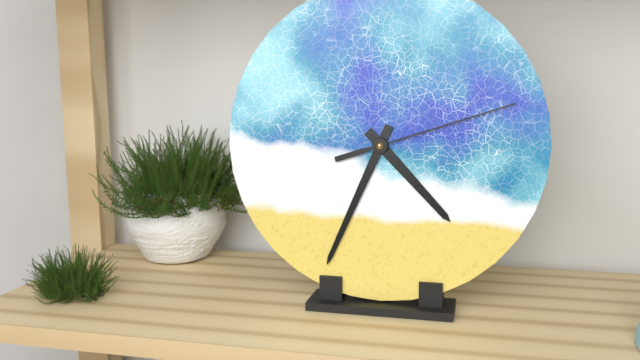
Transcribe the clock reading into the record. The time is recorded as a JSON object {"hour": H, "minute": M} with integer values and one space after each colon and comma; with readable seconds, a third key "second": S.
{"hour": 4, "minute": 34, "second": 12}
